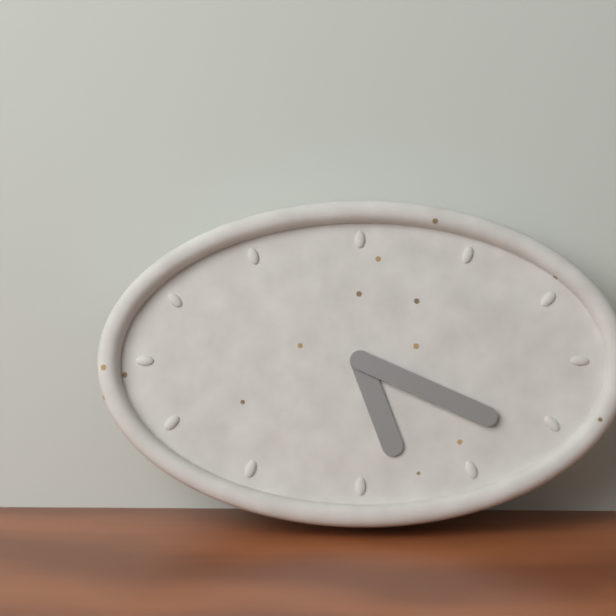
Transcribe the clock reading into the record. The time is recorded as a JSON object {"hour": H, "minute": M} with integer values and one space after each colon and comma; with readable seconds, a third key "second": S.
{"hour": 5, "minute": 19}
